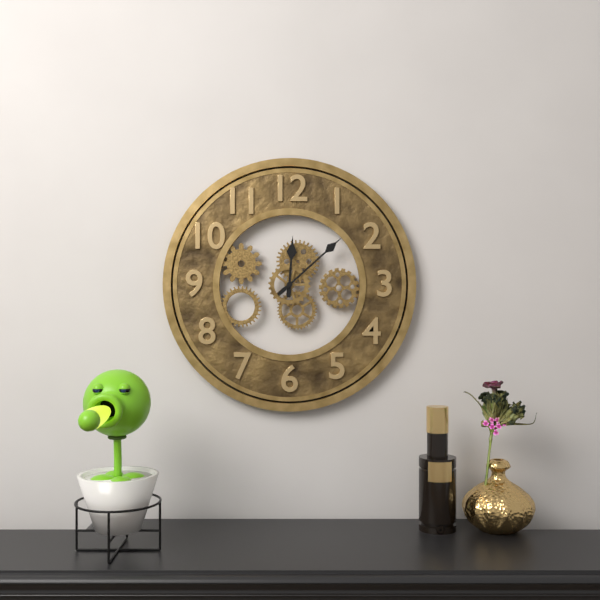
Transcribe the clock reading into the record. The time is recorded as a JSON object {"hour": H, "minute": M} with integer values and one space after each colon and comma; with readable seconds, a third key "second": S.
{"hour": 12, "minute": 8}
